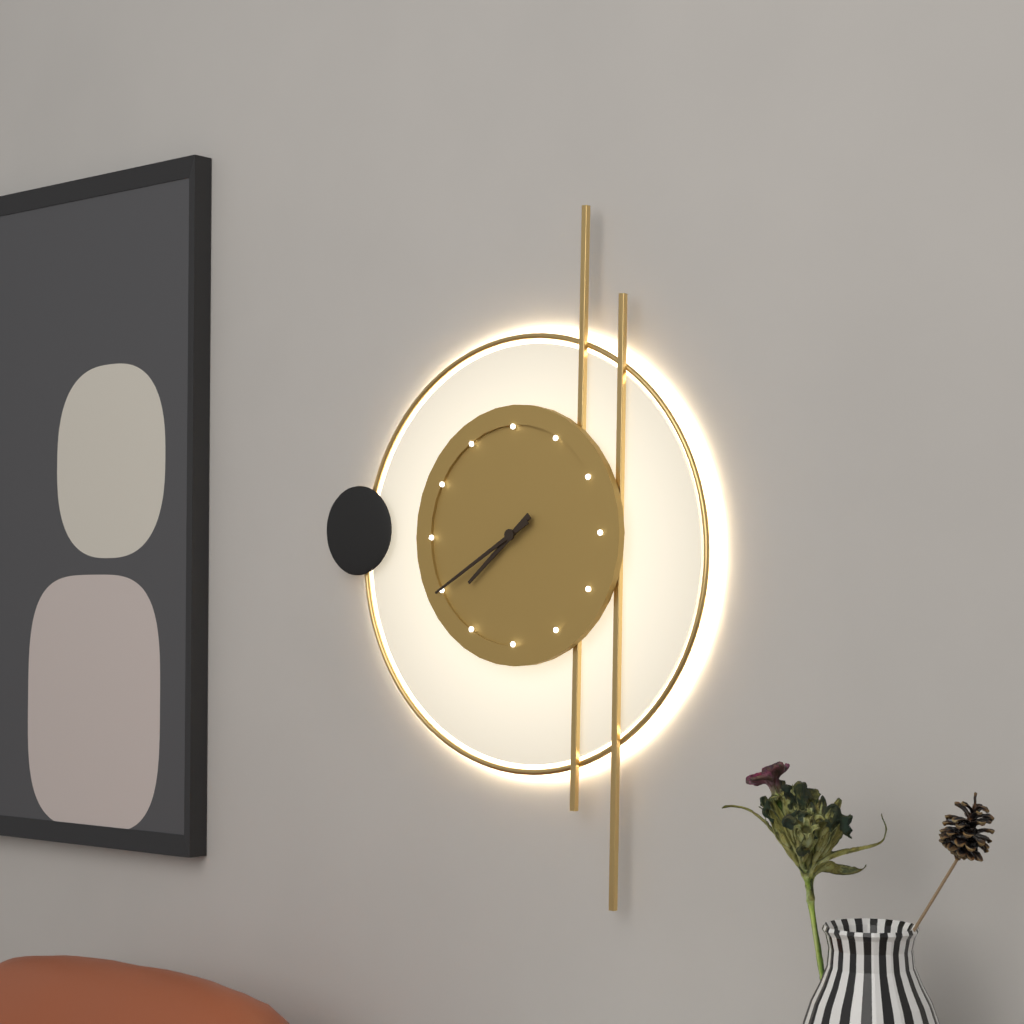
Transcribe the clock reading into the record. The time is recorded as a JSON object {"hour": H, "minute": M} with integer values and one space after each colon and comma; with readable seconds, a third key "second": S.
{"hour": 7, "minute": 40}
